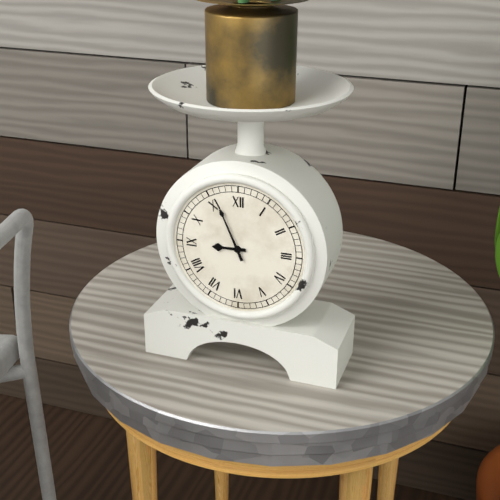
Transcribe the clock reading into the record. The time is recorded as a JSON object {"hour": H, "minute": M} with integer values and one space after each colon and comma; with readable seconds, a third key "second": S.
{"hour": 8, "minute": 56}
